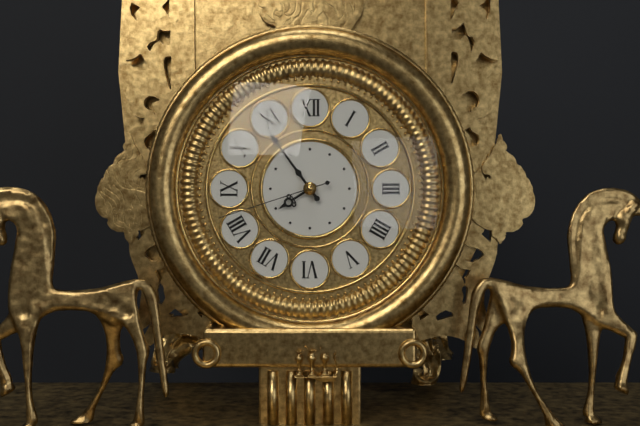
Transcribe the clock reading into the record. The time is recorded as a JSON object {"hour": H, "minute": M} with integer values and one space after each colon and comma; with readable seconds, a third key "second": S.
{"hour": 7, "minute": 54, "second": 42}
